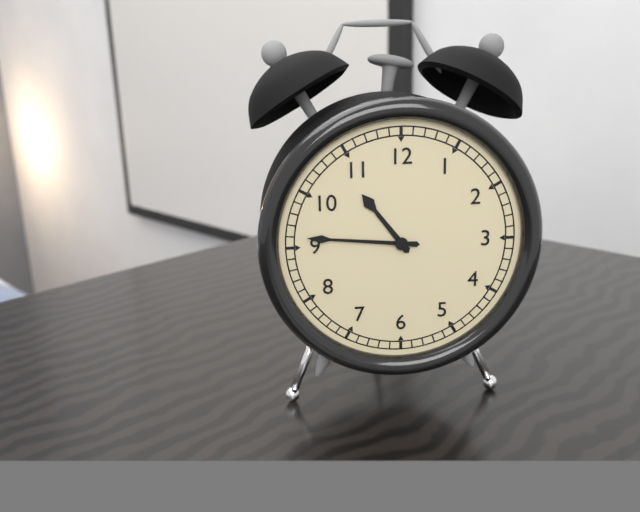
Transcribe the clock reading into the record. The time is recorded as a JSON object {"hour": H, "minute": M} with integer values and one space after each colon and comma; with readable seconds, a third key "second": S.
{"hour": 10, "minute": 46}
